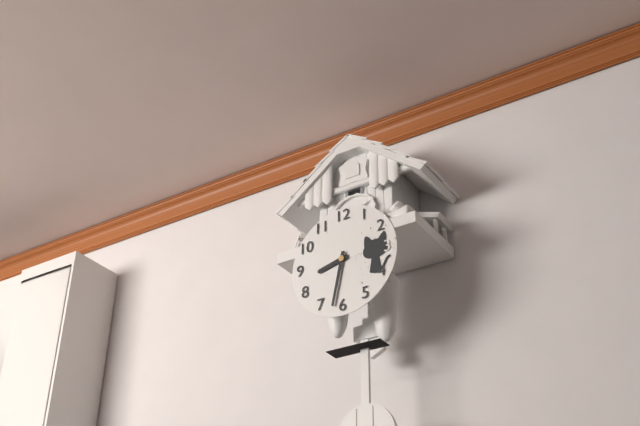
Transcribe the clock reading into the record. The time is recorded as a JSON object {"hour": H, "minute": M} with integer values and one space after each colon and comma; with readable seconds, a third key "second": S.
{"hour": 8, "minute": 32}
